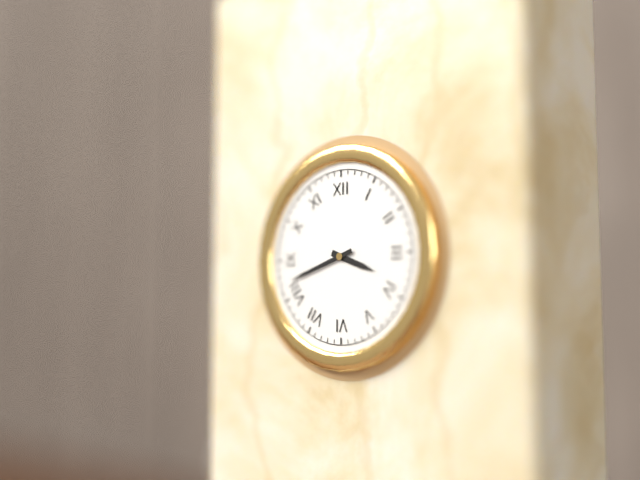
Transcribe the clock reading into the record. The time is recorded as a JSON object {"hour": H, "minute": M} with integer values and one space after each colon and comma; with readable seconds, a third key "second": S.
{"hour": 3, "minute": 42}
